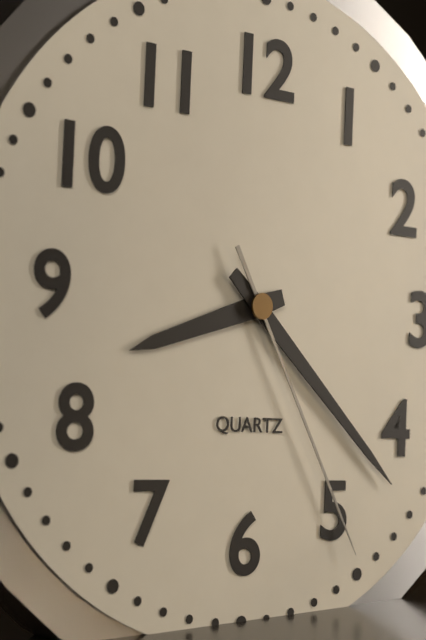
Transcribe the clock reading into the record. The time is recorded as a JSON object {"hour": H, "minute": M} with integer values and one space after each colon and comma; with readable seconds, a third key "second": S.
{"hour": 8, "minute": 22, "second": 25}
